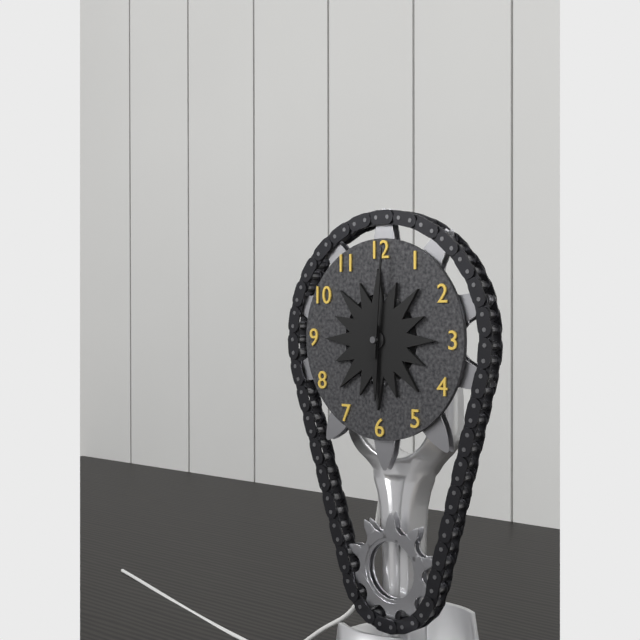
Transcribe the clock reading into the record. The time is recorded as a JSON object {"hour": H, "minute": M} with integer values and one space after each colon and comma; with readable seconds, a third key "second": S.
{"hour": 6, "minute": 1}
